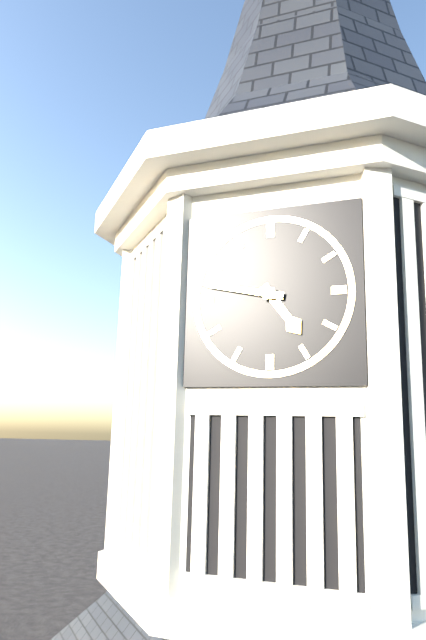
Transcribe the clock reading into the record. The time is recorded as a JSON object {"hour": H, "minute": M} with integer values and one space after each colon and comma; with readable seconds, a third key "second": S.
{"hour": 4, "minute": 47}
